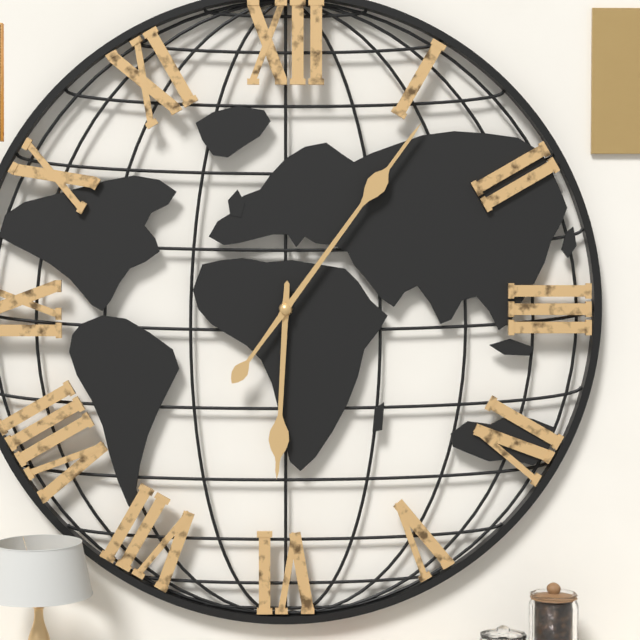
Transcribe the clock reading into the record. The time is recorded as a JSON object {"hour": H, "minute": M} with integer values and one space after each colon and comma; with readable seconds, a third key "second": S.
{"hour": 6, "minute": 6}
